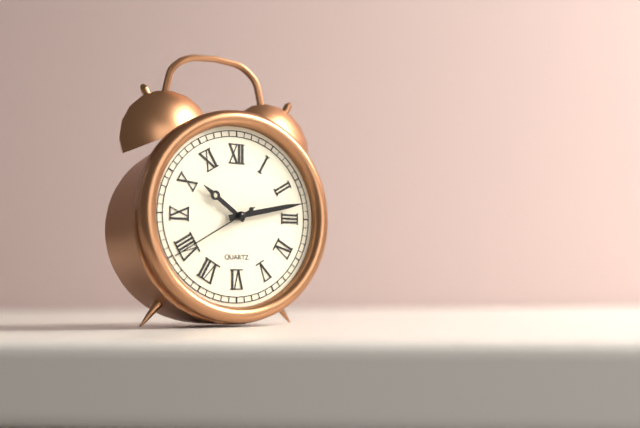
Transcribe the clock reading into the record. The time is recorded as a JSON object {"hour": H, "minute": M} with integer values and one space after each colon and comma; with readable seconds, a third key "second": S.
{"hour": 10, "minute": 13, "second": 40}
